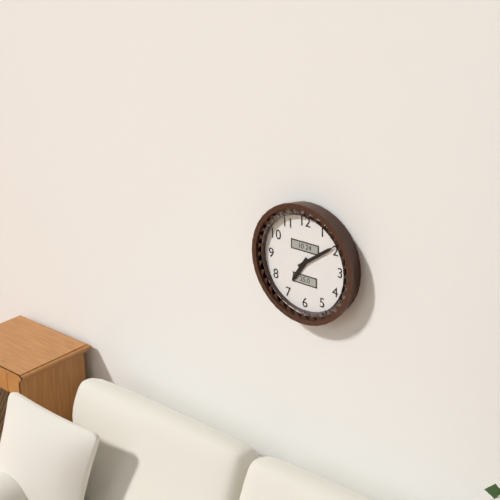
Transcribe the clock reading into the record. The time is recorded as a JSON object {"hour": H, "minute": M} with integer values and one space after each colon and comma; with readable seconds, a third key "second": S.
{"hour": 7, "minute": 9}
